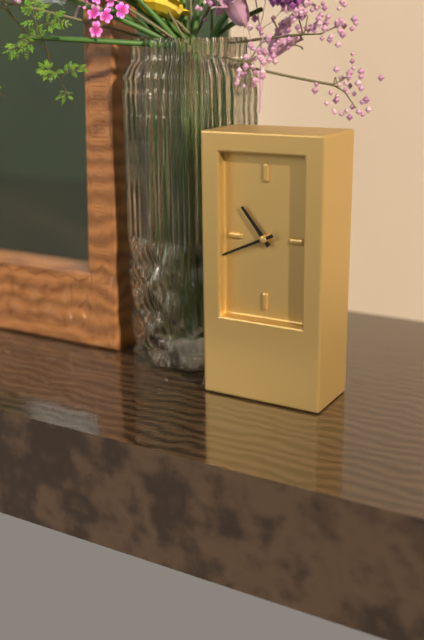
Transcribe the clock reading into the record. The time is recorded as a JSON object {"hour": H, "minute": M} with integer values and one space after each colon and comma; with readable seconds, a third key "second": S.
{"hour": 10, "minute": 41}
